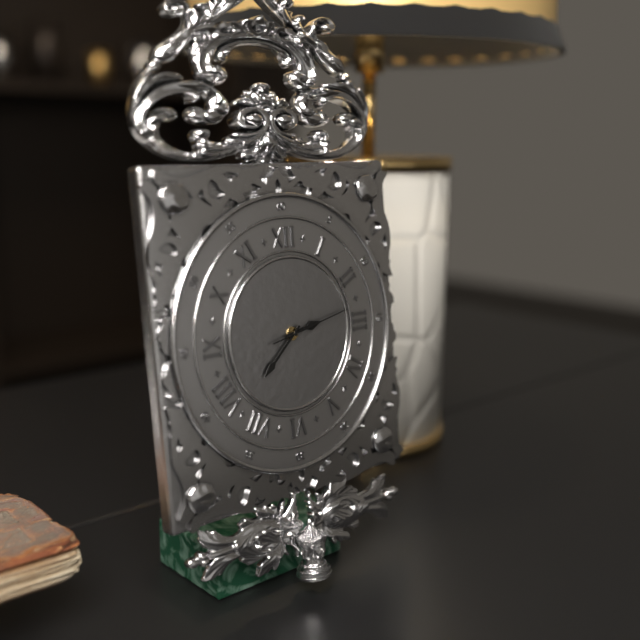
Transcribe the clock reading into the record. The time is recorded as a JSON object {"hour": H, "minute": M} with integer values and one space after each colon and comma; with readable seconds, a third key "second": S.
{"hour": 2, "minute": 38, "second": 13}
